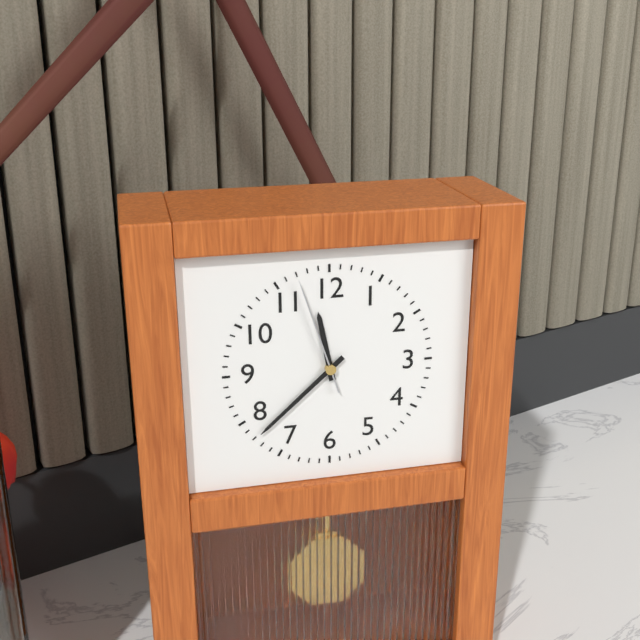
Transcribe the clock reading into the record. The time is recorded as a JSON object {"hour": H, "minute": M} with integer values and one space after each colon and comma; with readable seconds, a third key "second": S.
{"hour": 11, "minute": 38, "second": 57}
